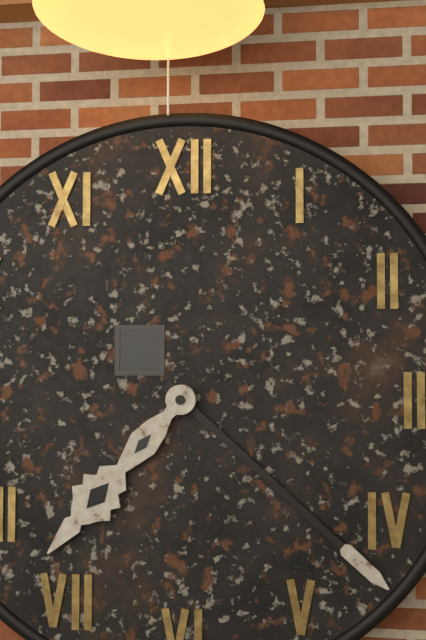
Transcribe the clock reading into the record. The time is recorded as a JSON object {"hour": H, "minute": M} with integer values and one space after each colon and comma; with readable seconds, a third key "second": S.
{"hour": 7, "minute": 22}
